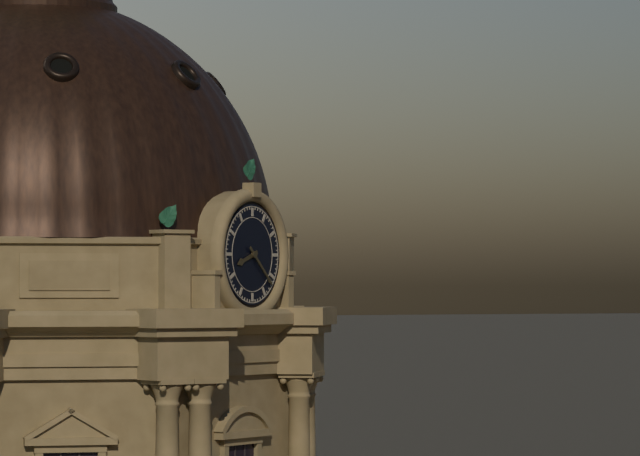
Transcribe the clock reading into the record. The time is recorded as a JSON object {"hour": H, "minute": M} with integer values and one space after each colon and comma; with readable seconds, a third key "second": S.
{"hour": 8, "minute": 22}
